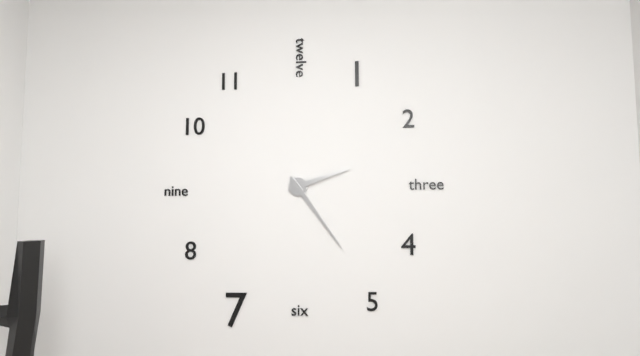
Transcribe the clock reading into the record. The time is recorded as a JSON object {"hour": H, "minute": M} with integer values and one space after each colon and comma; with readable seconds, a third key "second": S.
{"hour": 2, "minute": 24}
